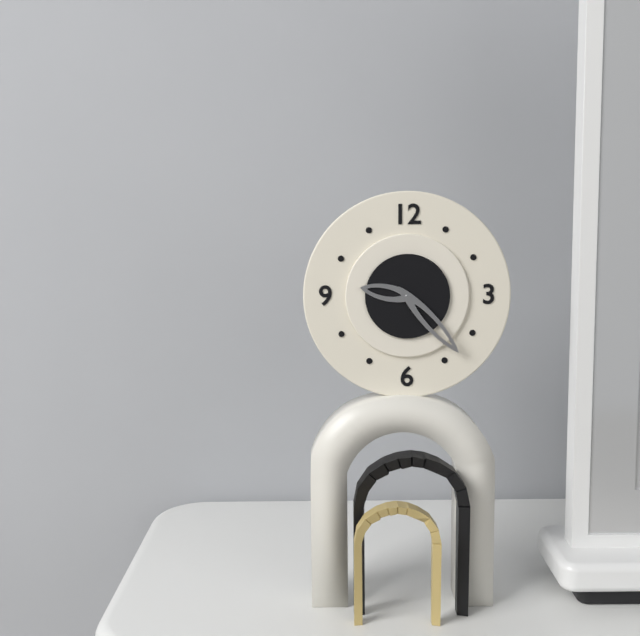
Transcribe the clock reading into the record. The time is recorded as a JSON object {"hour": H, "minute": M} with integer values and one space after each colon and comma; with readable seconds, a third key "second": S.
{"hour": 9, "minute": 23}
